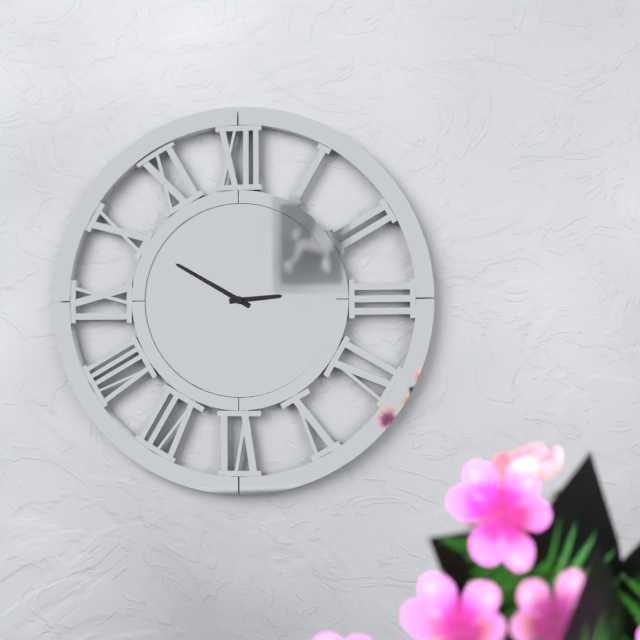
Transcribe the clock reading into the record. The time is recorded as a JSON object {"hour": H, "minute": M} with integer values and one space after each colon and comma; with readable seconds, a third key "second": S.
{"hour": 2, "minute": 50}
